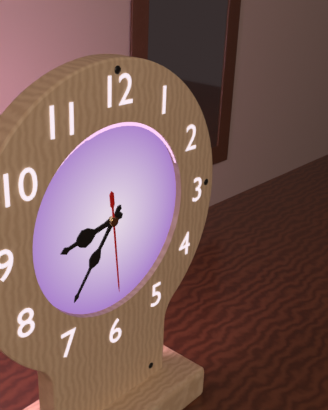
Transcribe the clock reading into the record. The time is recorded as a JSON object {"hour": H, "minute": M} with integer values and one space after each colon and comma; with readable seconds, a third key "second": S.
{"hour": 8, "minute": 36, "second": 29}
